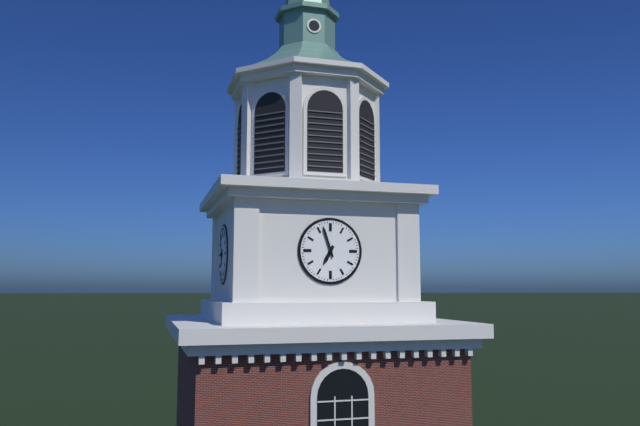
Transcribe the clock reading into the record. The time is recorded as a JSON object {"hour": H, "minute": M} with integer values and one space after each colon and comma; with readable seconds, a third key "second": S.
{"hour": 6, "minute": 57}
